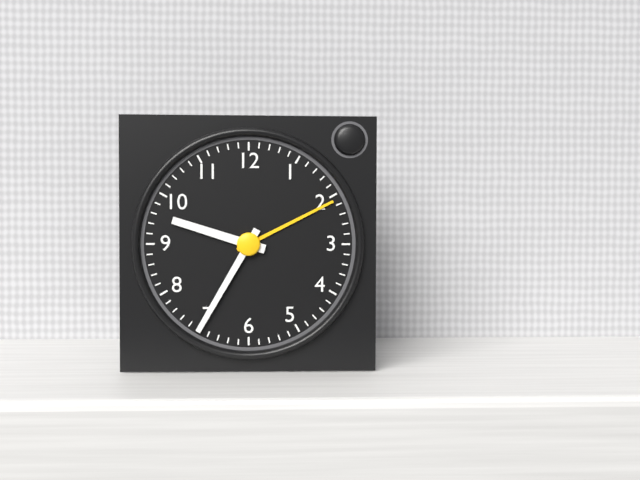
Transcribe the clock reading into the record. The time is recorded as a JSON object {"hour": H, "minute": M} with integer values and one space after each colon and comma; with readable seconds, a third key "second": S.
{"hour": 9, "minute": 35}
